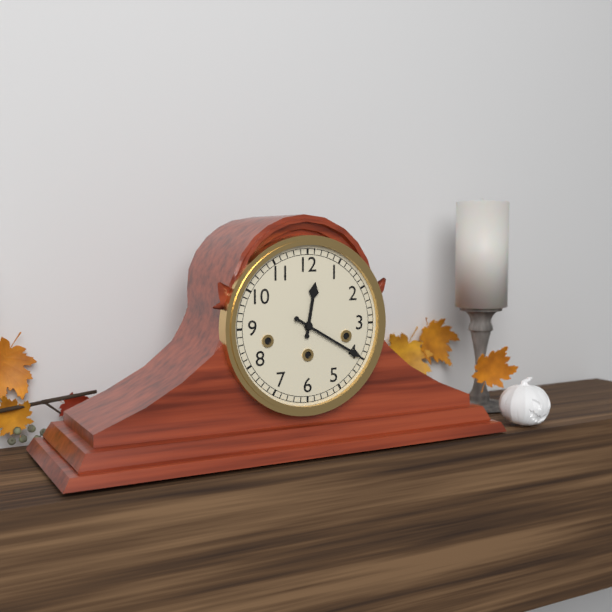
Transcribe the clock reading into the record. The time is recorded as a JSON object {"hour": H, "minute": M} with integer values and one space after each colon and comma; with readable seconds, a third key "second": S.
{"hour": 12, "minute": 20}
